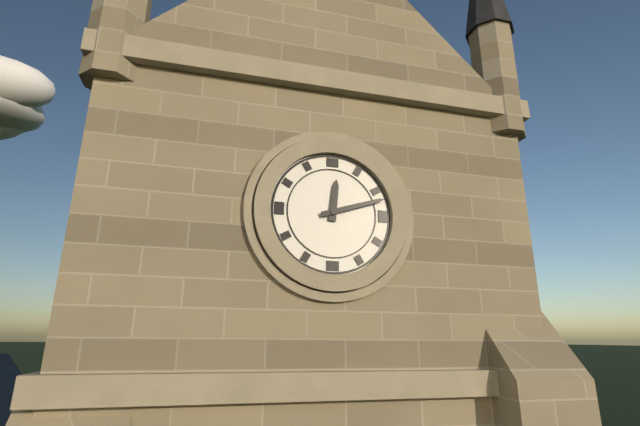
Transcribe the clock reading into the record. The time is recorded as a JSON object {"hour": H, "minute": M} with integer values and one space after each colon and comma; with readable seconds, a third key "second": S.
{"hour": 12, "minute": 12}
